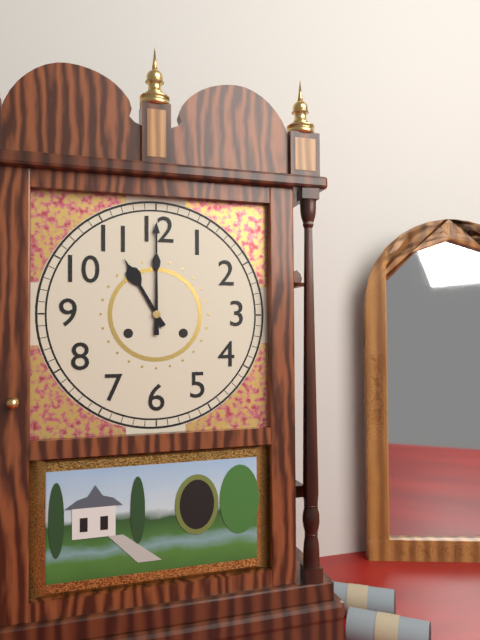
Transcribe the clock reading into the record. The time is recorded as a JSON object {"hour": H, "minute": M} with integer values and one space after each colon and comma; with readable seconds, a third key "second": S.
{"hour": 11, "minute": 0}
